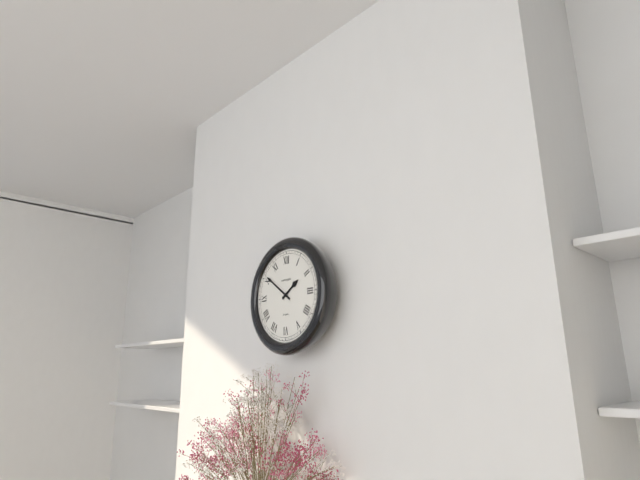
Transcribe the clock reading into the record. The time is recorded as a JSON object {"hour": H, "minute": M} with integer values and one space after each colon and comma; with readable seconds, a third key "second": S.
{"hour": 1, "minute": 51}
